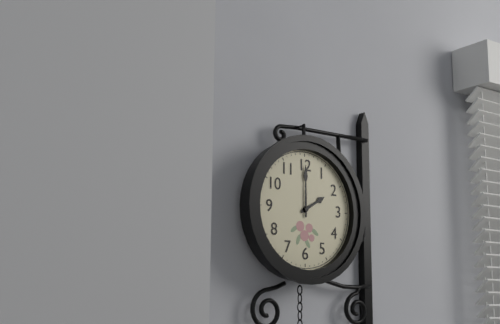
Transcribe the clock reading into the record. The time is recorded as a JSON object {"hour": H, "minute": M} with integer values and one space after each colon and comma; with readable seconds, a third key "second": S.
{"hour": 2, "minute": 0}
